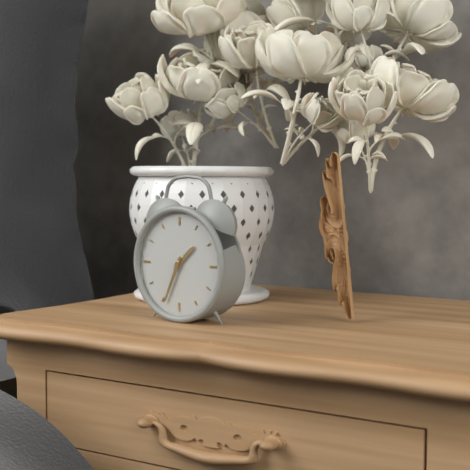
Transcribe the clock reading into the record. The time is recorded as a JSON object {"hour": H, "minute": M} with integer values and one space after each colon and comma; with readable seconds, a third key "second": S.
{"hour": 1, "minute": 34}
